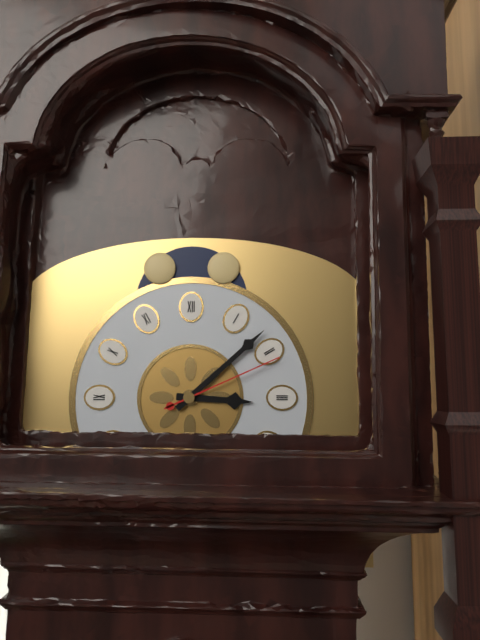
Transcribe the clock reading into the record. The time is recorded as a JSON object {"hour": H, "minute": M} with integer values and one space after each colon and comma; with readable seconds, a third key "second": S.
{"hour": 3, "minute": 8, "second": 11}
